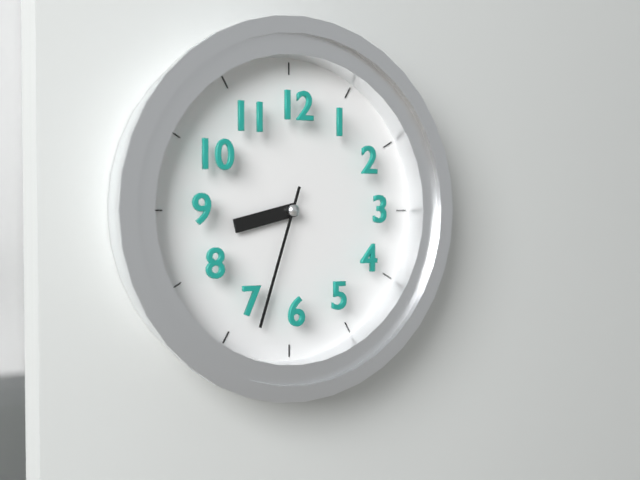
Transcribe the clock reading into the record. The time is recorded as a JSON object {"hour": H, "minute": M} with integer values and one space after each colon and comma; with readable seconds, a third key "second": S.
{"hour": 8, "minute": 33}
